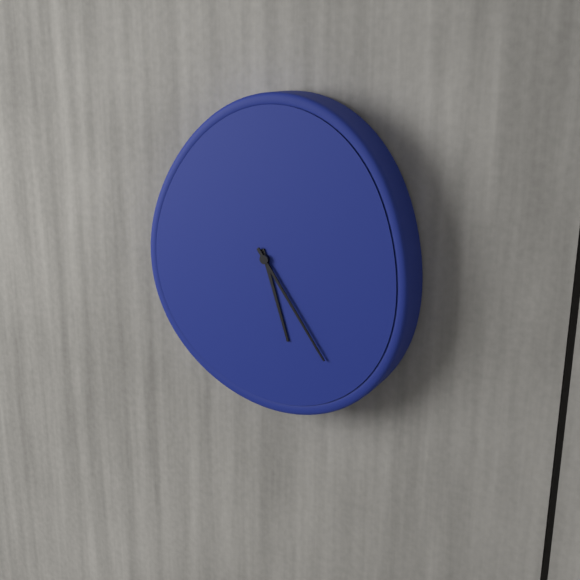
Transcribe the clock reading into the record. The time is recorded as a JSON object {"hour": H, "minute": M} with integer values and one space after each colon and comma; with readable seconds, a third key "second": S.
{"hour": 5, "minute": 24}
